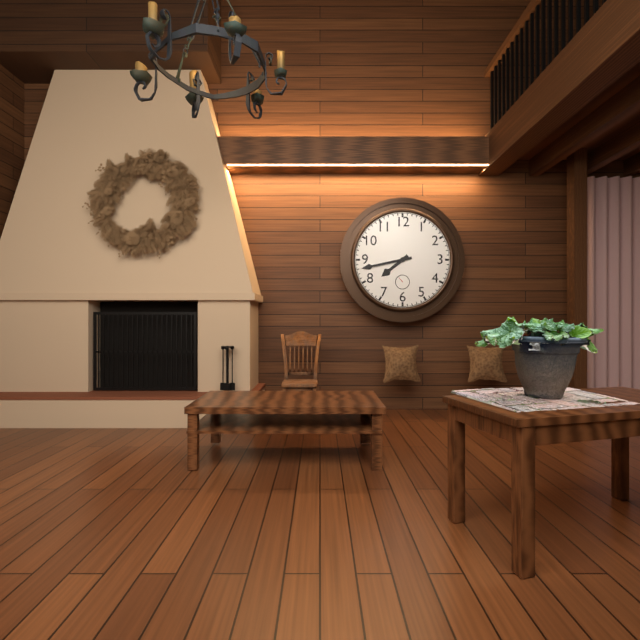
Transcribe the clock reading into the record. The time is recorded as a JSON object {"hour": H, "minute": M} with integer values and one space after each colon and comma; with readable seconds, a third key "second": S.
{"hour": 7, "minute": 43}
